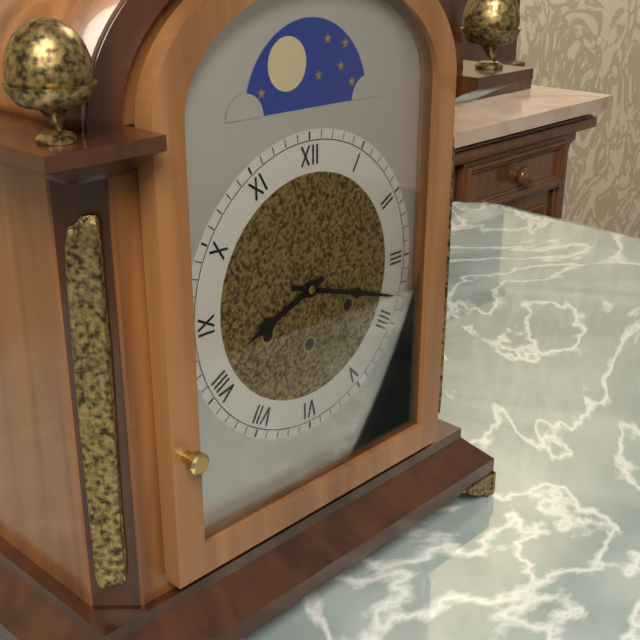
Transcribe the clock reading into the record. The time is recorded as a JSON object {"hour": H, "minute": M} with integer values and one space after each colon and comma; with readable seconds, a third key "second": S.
{"hour": 8, "minute": 18}
